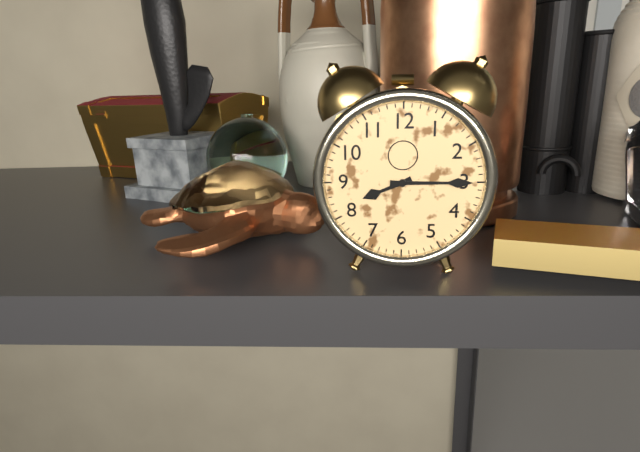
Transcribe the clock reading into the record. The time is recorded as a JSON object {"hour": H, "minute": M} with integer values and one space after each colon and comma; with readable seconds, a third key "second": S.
{"hour": 8, "minute": 15}
